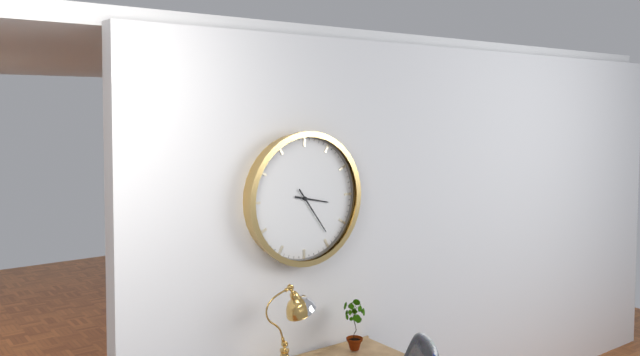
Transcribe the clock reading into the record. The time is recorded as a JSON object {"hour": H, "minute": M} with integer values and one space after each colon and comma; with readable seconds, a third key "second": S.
{"hour": 3, "minute": 24}
